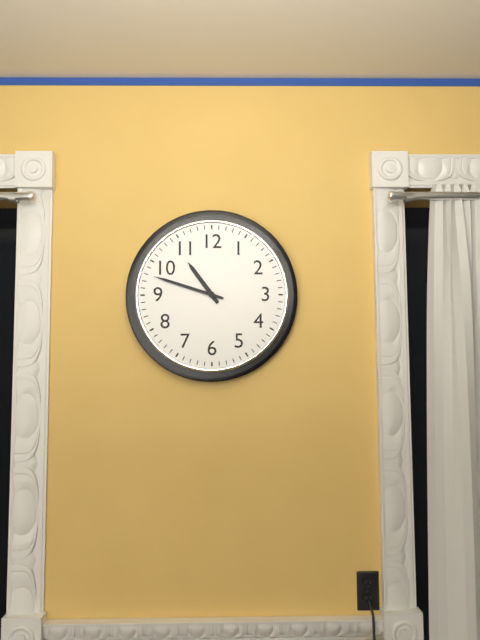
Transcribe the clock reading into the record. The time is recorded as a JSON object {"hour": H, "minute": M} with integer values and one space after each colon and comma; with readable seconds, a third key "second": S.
{"hour": 10, "minute": 48}
